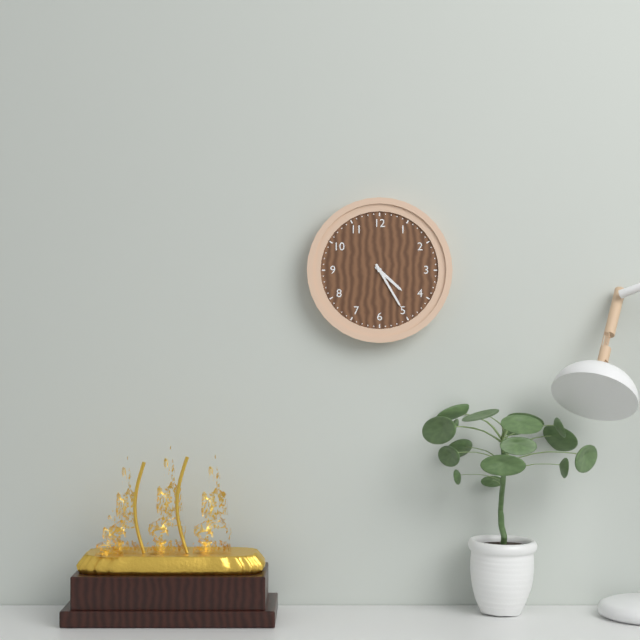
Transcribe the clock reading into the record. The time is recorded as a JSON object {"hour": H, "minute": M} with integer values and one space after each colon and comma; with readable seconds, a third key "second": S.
{"hour": 4, "minute": 25}
